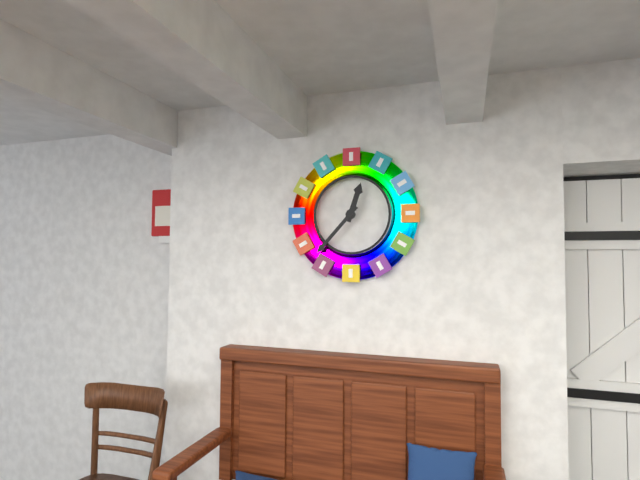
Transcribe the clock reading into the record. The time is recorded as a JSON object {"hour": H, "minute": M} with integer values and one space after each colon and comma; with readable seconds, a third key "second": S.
{"hour": 12, "minute": 37}
